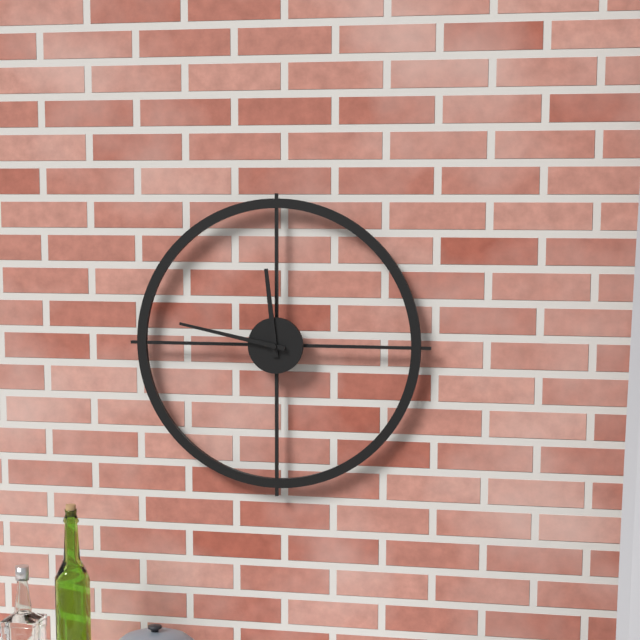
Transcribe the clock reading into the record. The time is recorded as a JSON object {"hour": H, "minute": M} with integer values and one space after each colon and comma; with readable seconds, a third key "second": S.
{"hour": 11, "minute": 47}
